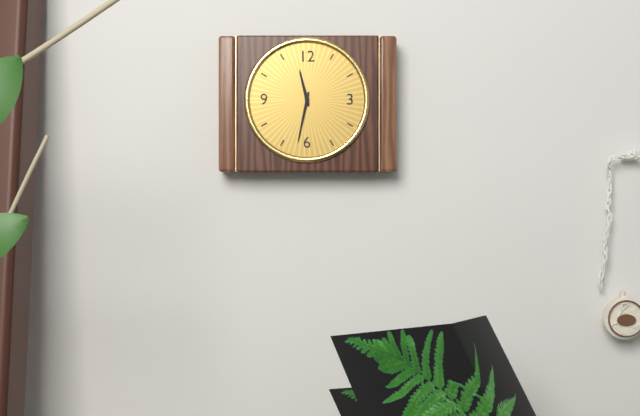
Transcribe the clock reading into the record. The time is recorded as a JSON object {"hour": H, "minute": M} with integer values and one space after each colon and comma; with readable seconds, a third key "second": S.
{"hour": 11, "minute": 32}
